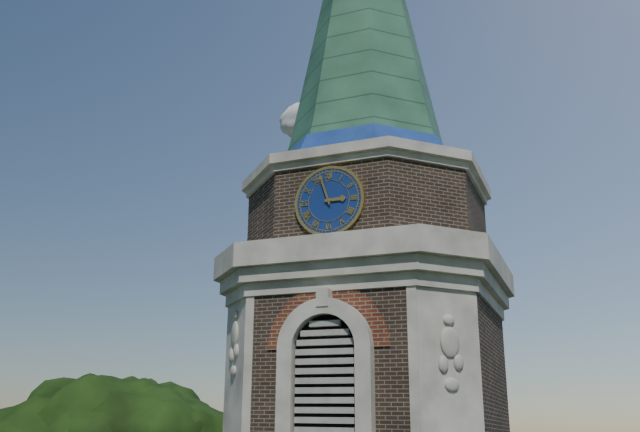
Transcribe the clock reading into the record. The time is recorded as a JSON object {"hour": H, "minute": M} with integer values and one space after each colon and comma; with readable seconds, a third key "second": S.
{"hour": 2, "minute": 57}
